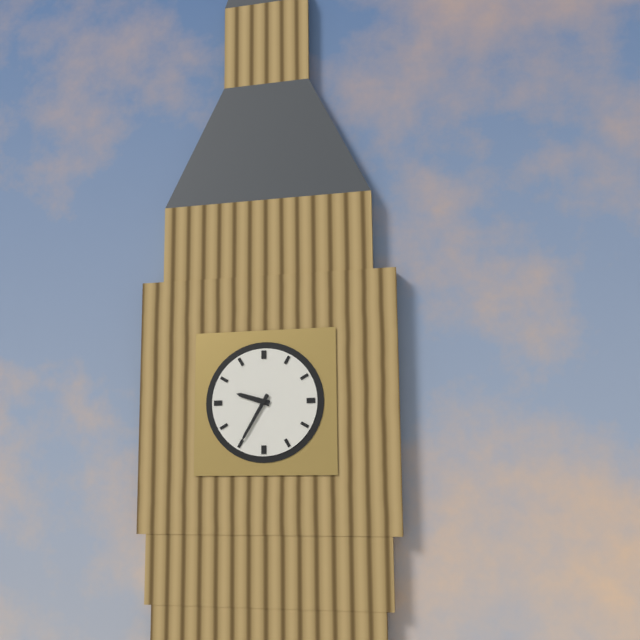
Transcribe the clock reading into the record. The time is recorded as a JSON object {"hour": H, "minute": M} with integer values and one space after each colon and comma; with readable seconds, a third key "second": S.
{"hour": 9, "minute": 35}
